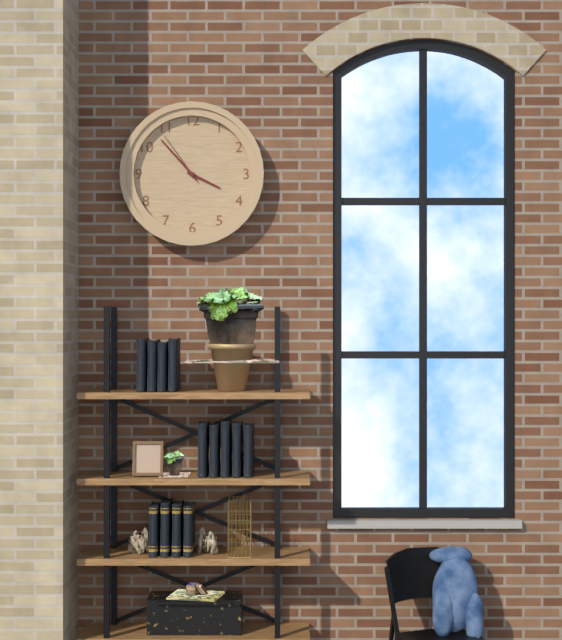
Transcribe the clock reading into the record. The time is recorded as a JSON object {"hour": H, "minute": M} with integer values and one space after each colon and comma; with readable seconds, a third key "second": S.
{"hour": 3, "minute": 53, "second": 54}
